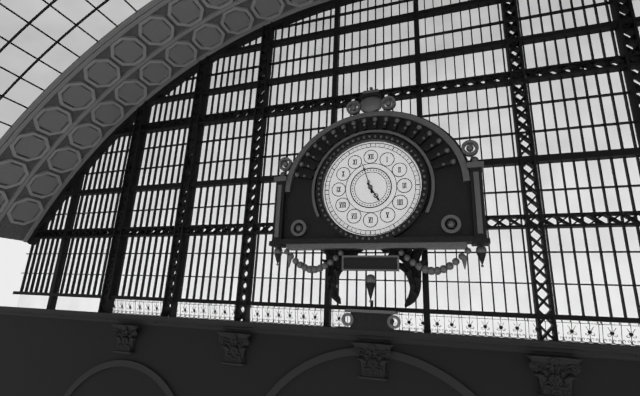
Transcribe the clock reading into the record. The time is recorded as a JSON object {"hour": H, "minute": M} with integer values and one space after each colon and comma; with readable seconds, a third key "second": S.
{"hour": 4, "minute": 57}
